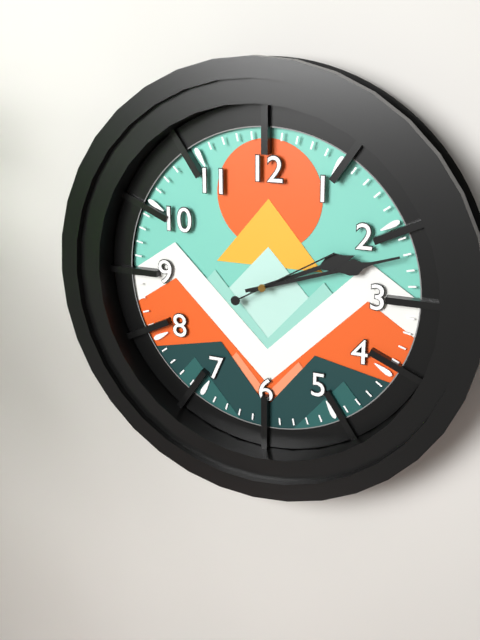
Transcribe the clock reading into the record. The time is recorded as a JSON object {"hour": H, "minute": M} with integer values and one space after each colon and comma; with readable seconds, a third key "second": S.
{"hour": 2, "minute": 12, "second": 10}
